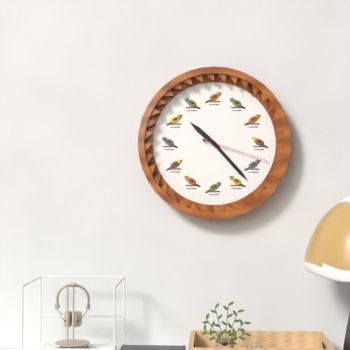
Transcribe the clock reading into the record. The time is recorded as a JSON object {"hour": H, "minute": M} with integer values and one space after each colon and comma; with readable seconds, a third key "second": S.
{"hour": 10, "minute": 23, "second": 18}
